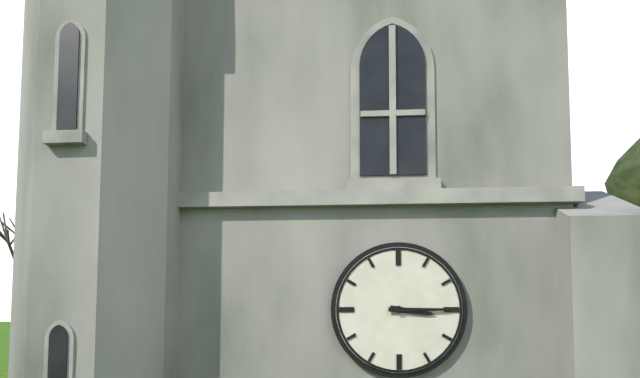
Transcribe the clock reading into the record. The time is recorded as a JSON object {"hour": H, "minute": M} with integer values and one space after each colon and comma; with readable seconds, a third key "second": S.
{"hour": 3, "minute": 15}
